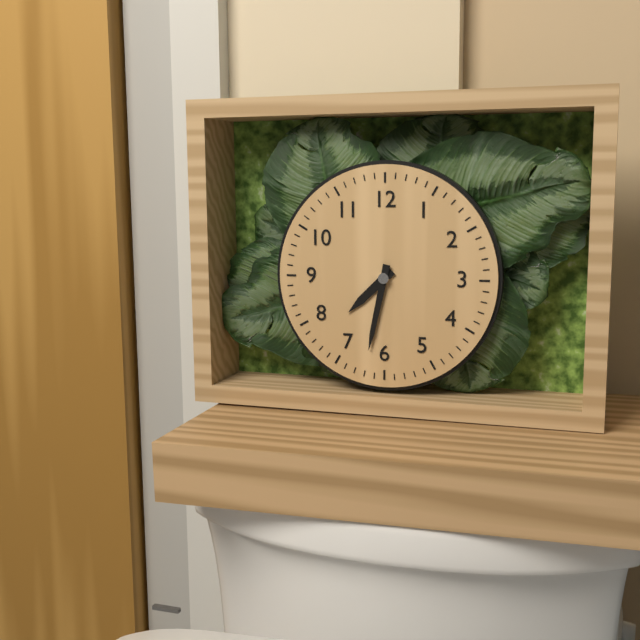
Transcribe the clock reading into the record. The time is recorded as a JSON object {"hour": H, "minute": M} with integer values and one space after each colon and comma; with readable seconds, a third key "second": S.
{"hour": 7, "minute": 32}
